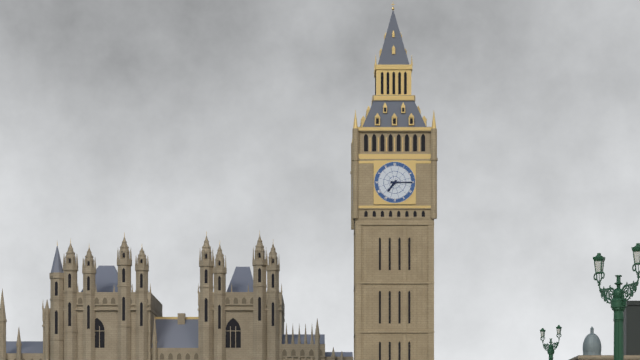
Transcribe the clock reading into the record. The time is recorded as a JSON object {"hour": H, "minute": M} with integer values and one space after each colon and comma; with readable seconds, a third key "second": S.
{"hour": 7, "minute": 15}
